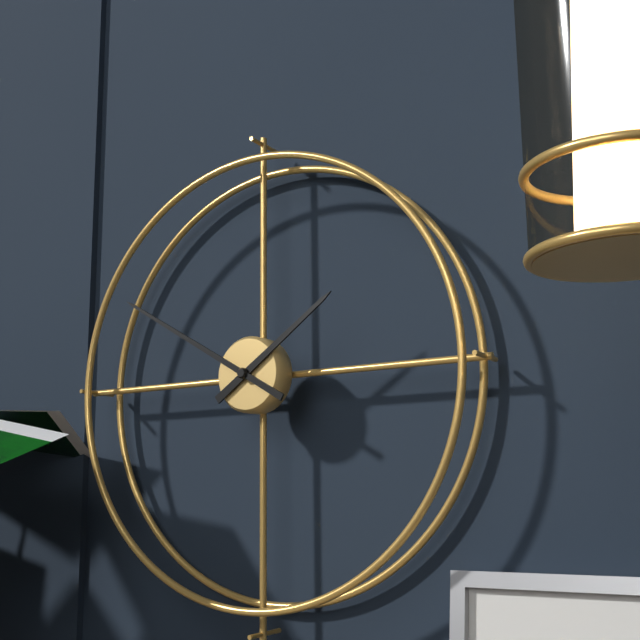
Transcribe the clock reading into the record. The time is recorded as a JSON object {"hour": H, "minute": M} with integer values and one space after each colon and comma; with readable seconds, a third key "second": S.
{"hour": 1, "minute": 50}
